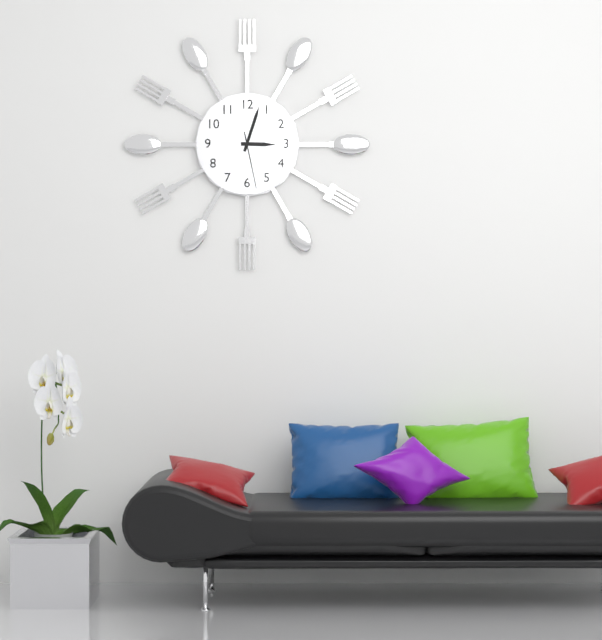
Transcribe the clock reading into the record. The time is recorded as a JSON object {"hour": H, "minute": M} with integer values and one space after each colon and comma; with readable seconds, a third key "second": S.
{"hour": 3, "minute": 3, "second": 28}
